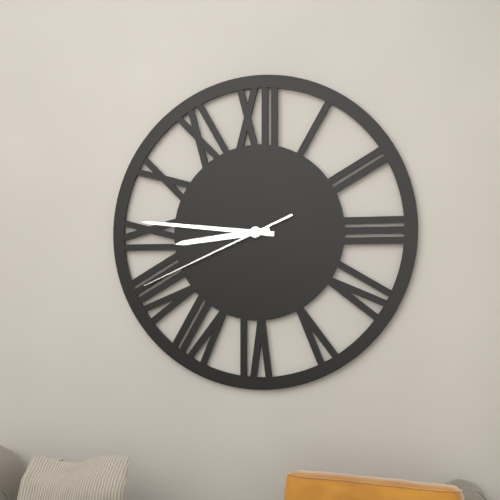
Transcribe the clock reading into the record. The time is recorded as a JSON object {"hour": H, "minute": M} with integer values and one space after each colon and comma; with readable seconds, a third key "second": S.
{"hour": 8, "minute": 46, "second": 41}
